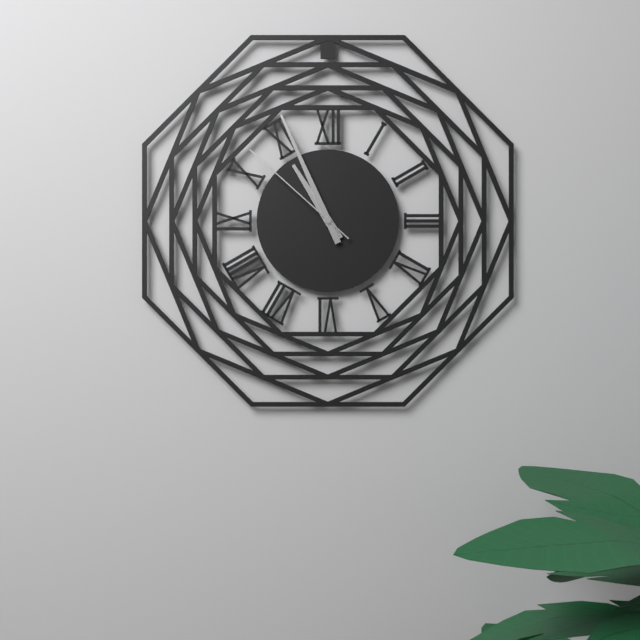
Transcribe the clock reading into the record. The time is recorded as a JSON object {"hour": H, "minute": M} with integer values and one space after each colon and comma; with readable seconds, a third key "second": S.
{"hour": 10, "minute": 56, "second": 52}
